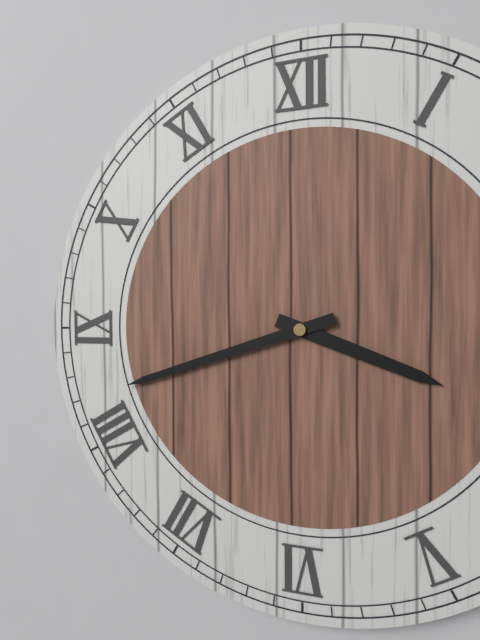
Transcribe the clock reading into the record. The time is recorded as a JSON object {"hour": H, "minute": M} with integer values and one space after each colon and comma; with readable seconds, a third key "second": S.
{"hour": 3, "minute": 42}
